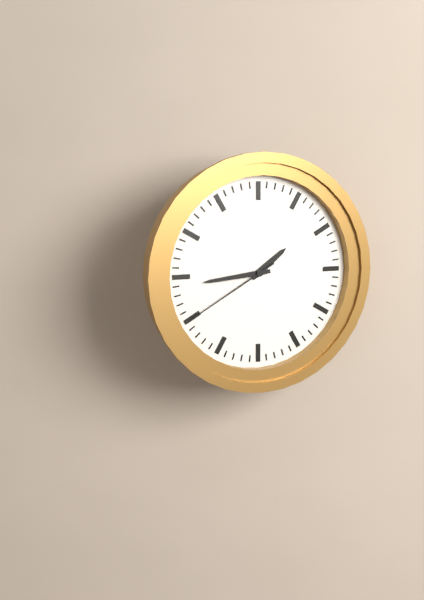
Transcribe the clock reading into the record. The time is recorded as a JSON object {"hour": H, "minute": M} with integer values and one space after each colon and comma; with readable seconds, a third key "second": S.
{"hour": 1, "minute": 44, "second": 40}
